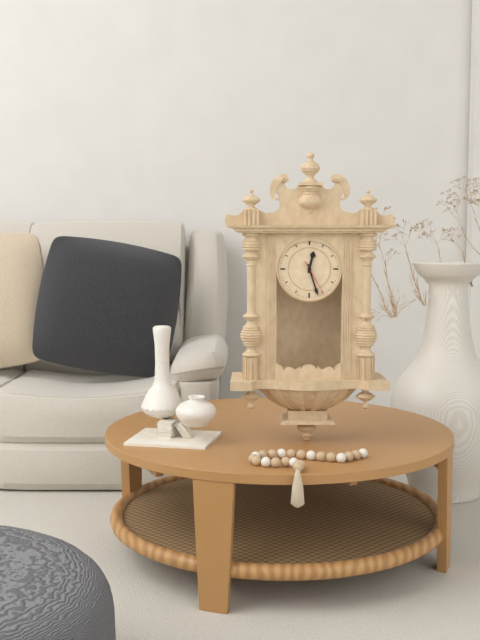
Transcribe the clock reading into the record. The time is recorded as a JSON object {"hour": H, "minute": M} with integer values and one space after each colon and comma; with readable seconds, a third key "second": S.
{"hour": 12, "minute": 27}
